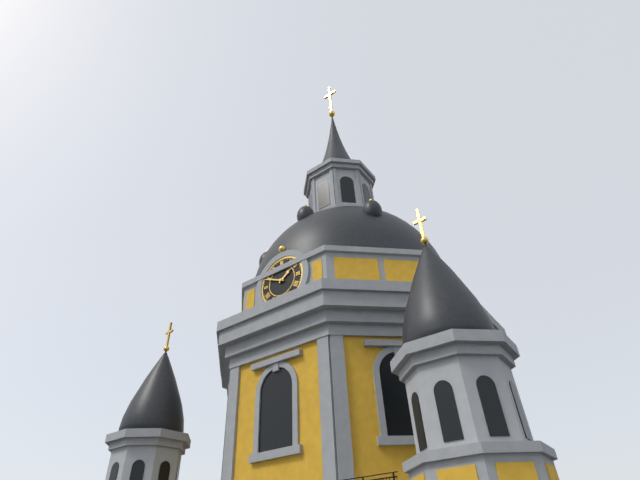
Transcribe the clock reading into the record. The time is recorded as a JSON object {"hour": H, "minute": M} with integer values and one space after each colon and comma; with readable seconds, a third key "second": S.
{"hour": 1, "minute": 49}
